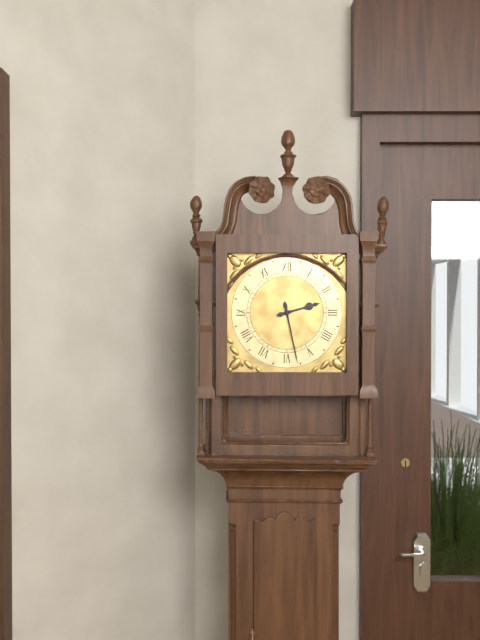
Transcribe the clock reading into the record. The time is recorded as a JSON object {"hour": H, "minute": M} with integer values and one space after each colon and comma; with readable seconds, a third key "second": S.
{"hour": 2, "minute": 28}
